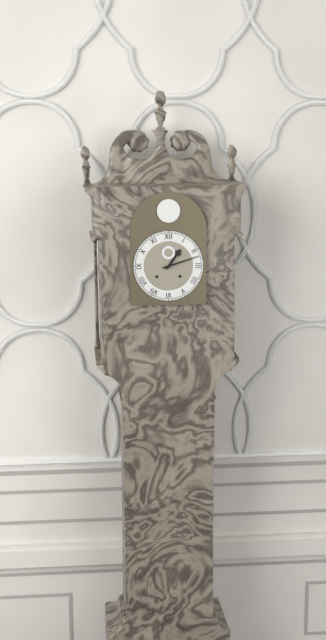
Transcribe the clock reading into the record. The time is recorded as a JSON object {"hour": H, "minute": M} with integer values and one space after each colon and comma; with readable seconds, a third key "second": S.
{"hour": 1, "minute": 12}
